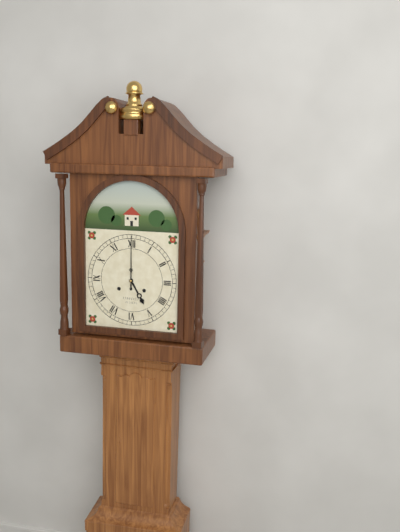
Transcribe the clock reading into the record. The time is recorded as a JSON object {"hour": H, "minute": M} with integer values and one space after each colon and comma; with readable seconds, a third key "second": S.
{"hour": 5, "minute": 0}
